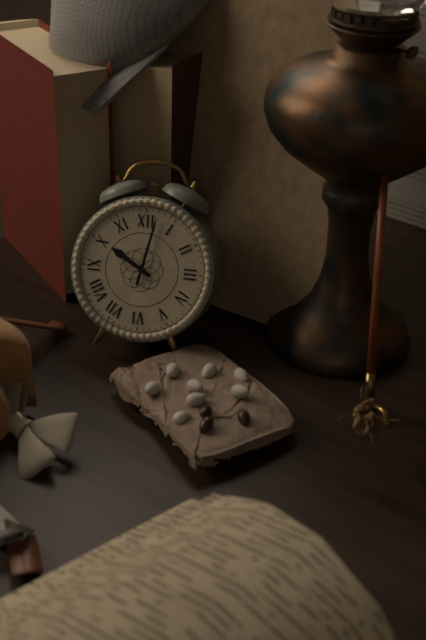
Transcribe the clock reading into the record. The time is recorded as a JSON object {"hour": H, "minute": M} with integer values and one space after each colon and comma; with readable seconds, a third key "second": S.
{"hour": 10, "minute": 2}
